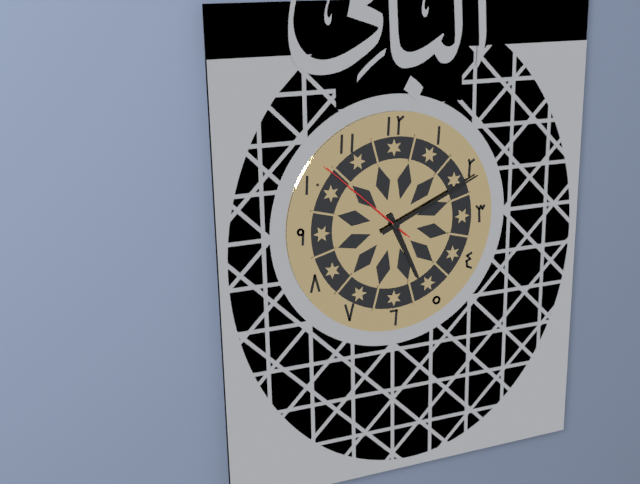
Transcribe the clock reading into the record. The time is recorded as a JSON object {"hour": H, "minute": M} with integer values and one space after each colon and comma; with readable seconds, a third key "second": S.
{"hour": 5, "minute": 11, "second": 52}
